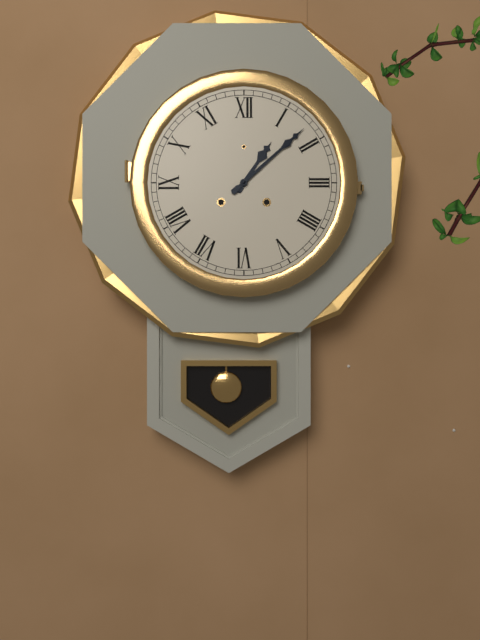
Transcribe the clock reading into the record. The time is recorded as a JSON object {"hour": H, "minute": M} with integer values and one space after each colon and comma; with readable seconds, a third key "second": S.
{"hour": 1, "minute": 8}
